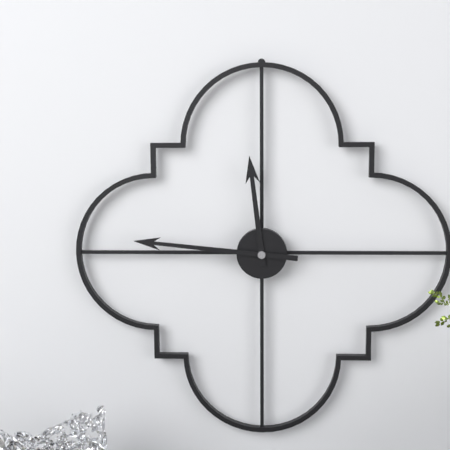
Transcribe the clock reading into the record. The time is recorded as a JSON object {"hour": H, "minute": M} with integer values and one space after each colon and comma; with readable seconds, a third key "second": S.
{"hour": 11, "minute": 46}
